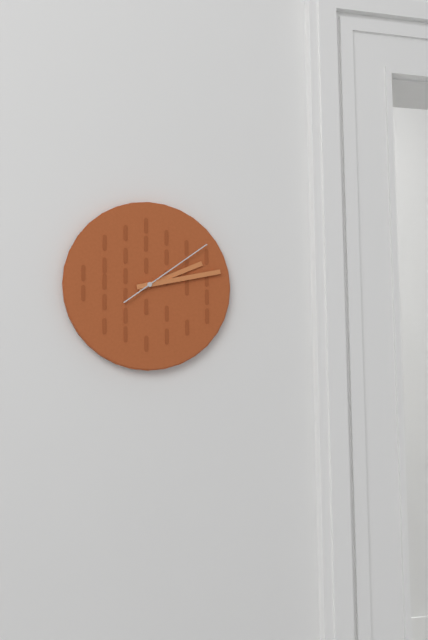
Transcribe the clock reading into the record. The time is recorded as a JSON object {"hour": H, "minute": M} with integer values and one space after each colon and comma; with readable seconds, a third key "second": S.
{"hour": 2, "minute": 13, "second": 9}
